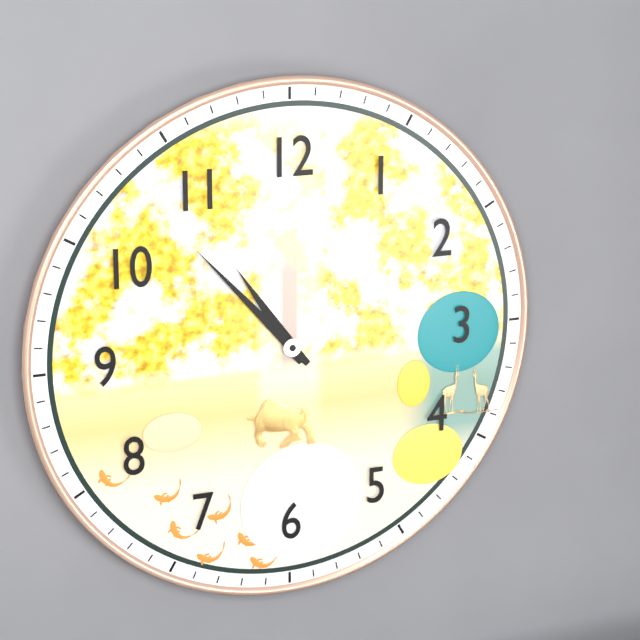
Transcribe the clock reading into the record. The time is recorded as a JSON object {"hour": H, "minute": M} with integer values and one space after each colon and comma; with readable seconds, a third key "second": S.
{"hour": 10, "minute": 53}
